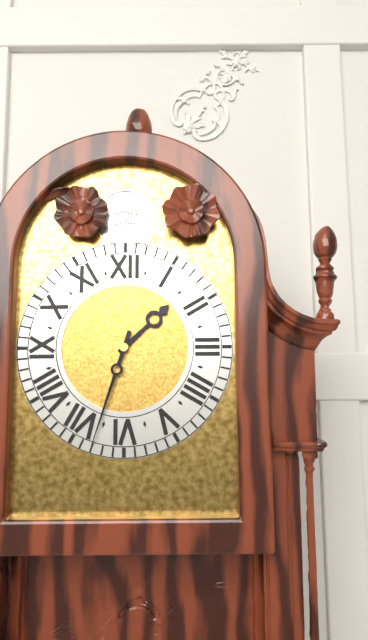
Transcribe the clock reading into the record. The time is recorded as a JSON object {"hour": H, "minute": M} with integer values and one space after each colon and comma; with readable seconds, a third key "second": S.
{"hour": 1, "minute": 33}
